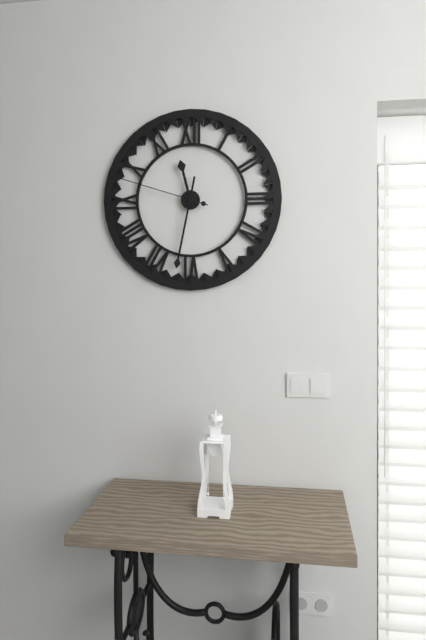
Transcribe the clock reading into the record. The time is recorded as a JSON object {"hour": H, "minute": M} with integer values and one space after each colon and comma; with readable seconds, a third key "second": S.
{"hour": 11, "minute": 32, "second": 48}
